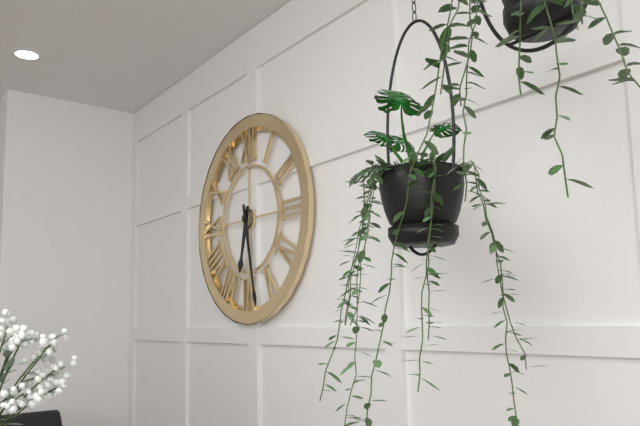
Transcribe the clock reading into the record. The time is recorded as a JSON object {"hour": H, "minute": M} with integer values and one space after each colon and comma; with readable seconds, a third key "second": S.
{"hour": 6, "minute": 28}
